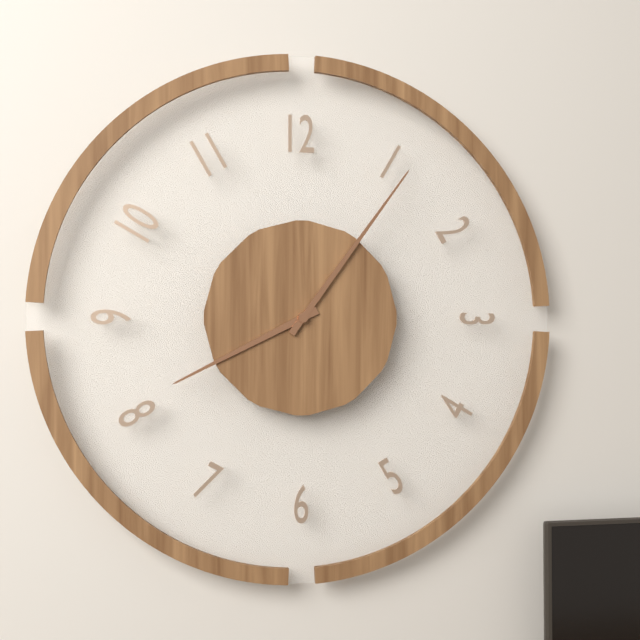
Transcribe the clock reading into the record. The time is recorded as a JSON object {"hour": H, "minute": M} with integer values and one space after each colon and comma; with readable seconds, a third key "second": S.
{"hour": 8, "minute": 6}
